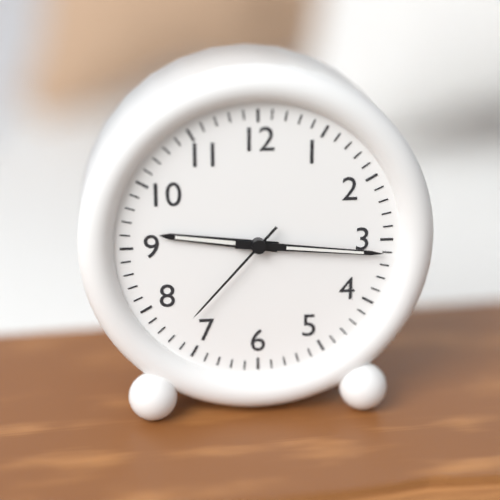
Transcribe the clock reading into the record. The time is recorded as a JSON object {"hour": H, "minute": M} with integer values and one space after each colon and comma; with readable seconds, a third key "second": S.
{"hour": 9, "minute": 16, "second": 37}
